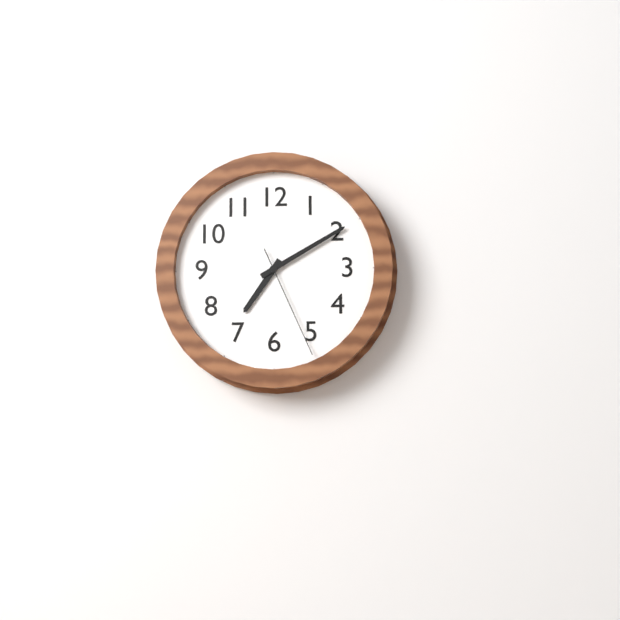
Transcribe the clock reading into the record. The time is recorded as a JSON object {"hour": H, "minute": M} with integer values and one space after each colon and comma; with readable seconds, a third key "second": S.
{"hour": 7, "minute": 10, "second": 26}
